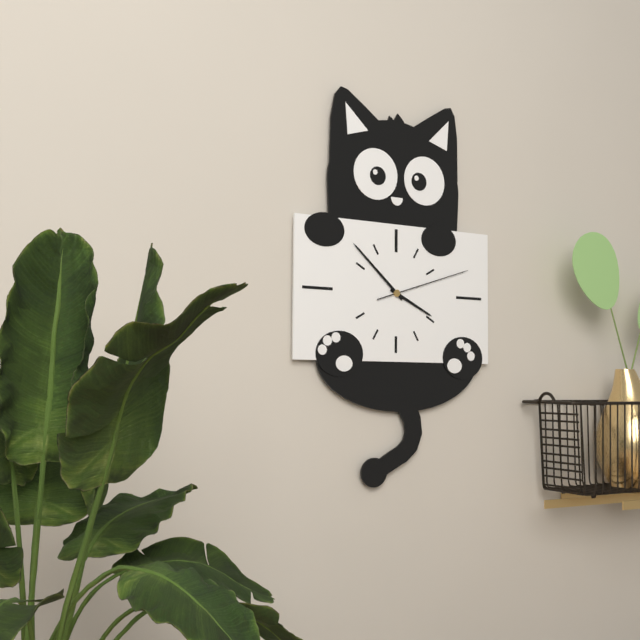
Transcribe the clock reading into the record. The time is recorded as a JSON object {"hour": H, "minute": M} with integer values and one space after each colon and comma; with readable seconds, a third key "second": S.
{"hour": 3, "minute": 52, "second": 12}
